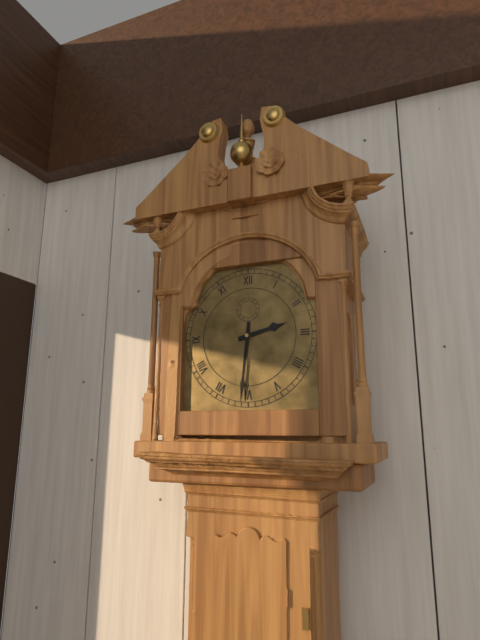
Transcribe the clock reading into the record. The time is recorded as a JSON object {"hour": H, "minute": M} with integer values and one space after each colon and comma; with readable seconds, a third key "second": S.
{"hour": 2, "minute": 31}
